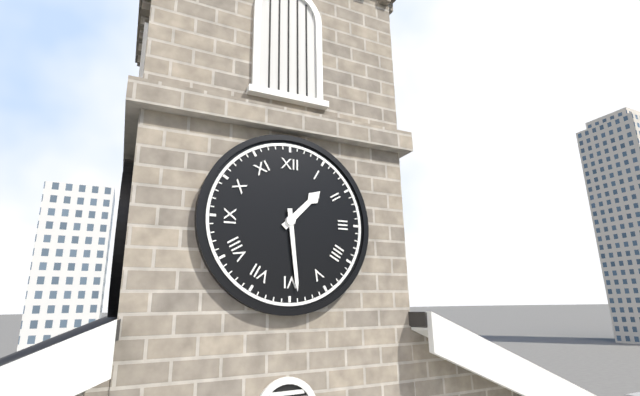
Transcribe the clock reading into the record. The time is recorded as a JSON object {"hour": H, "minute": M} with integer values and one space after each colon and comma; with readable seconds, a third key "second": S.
{"hour": 1, "minute": 29}
